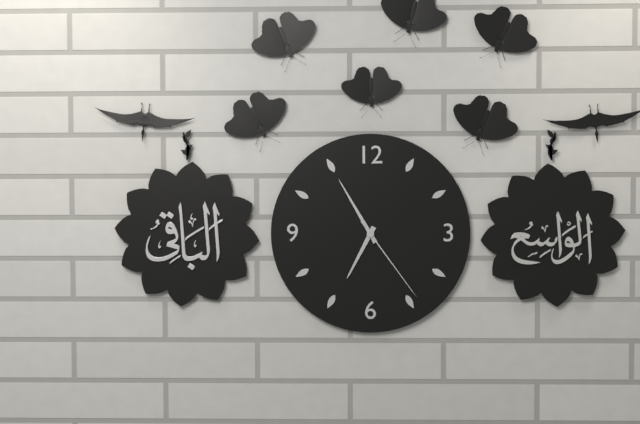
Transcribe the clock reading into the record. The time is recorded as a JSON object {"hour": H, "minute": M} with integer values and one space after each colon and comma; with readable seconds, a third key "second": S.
{"hour": 6, "minute": 55, "second": 24}
